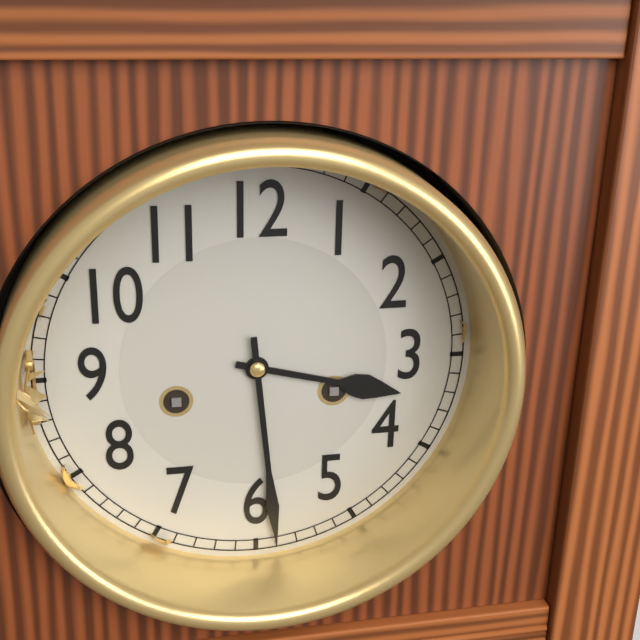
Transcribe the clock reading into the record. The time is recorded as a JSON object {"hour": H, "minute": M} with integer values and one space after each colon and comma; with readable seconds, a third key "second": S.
{"hour": 3, "minute": 29}
